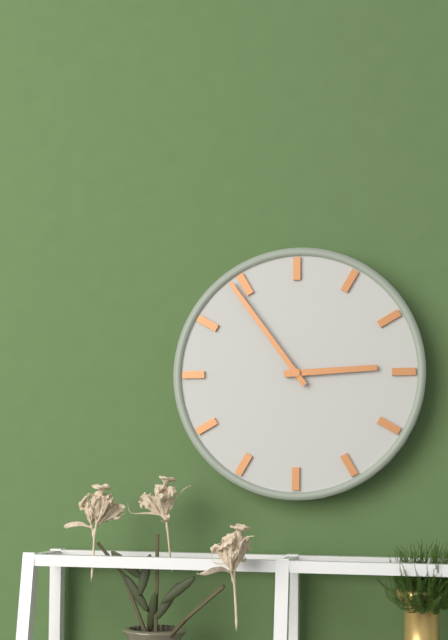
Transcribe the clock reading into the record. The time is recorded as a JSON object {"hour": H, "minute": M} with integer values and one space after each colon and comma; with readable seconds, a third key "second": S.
{"hour": 2, "minute": 54}
